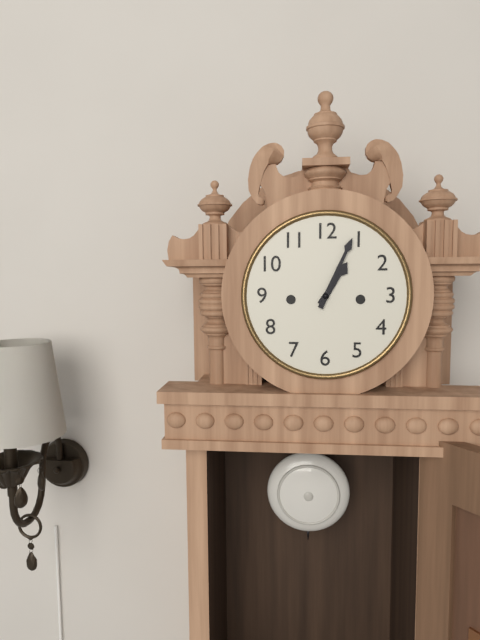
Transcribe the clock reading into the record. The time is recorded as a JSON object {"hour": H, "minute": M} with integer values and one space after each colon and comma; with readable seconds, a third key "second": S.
{"hour": 1, "minute": 4}
